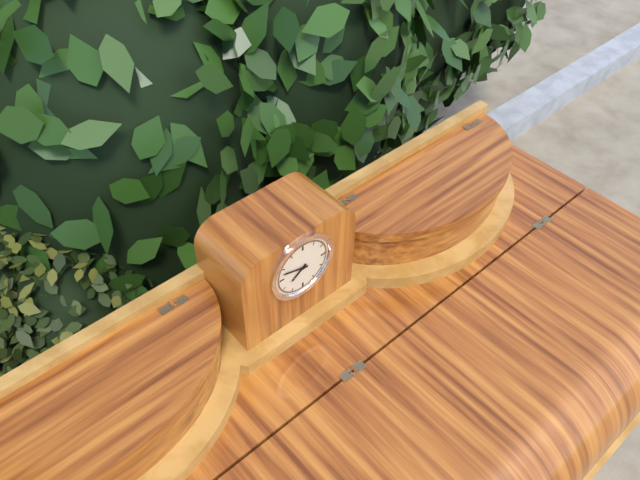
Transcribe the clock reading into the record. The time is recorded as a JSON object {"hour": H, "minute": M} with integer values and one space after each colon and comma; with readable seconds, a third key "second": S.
{"hour": 7, "minute": 48}
